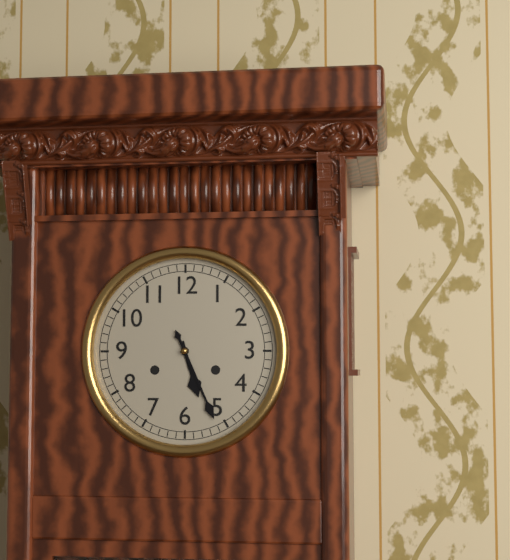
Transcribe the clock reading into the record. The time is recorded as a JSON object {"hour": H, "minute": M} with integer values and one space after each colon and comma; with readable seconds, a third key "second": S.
{"hour": 5, "minute": 26}
